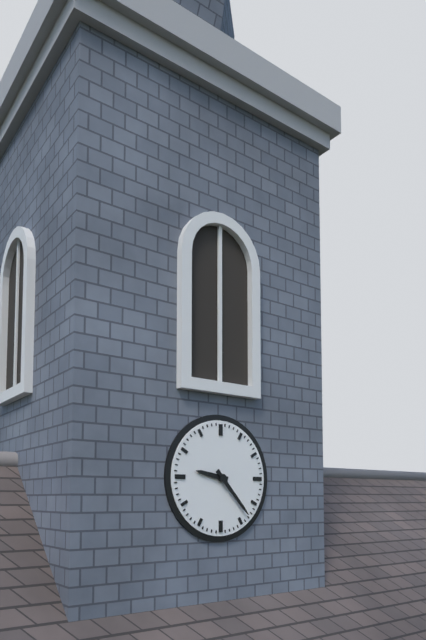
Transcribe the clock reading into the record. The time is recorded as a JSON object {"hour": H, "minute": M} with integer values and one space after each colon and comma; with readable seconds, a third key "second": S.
{"hour": 9, "minute": 23}
